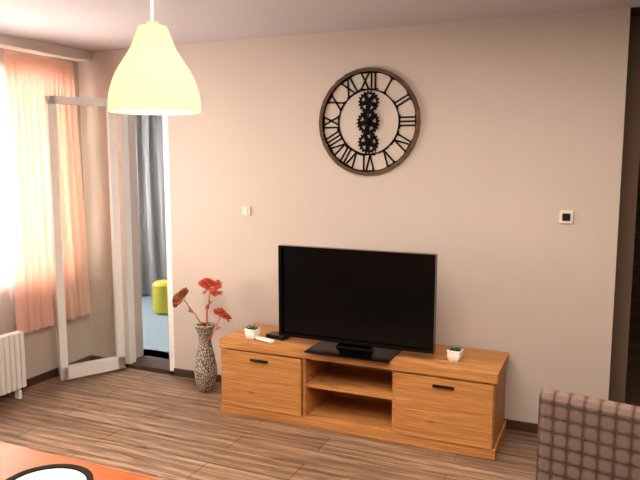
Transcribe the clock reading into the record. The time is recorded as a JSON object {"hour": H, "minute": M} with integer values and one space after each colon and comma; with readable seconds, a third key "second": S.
{"hour": 12, "minute": 27}
